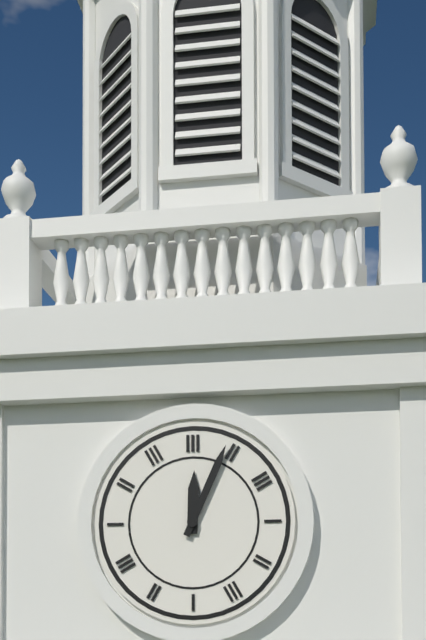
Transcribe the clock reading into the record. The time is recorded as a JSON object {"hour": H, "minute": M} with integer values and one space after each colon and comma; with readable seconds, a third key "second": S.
{"hour": 12, "minute": 4}
